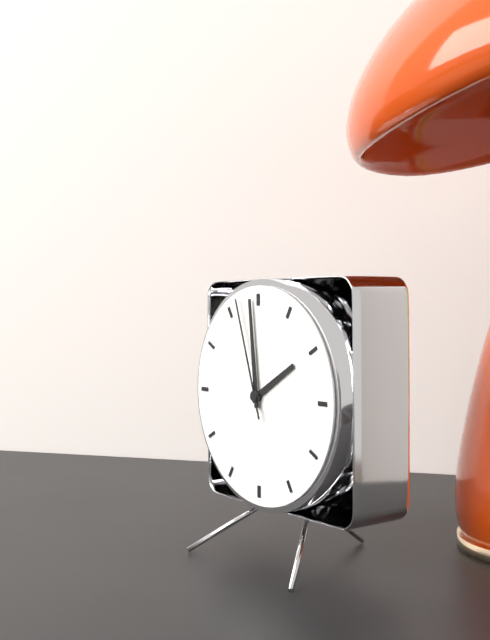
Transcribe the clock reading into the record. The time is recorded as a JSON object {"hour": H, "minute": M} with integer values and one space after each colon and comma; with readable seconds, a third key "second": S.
{"hour": 1, "minute": 59, "second": 57}
